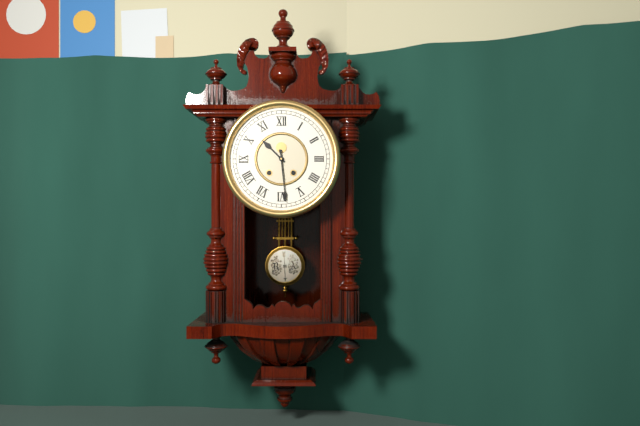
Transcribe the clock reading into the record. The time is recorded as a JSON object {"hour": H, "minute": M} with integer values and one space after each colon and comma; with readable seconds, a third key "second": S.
{"hour": 10, "minute": 29}
